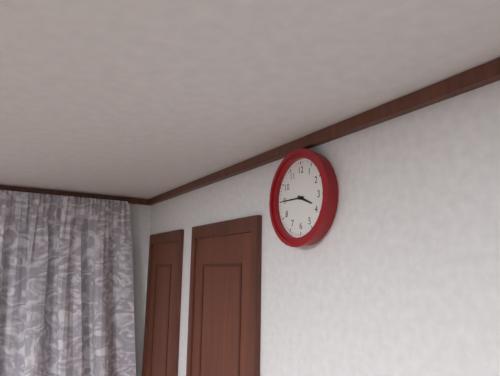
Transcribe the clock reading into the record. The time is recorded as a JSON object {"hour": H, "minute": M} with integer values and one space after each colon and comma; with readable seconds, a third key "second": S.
{"hour": 3, "minute": 45}
